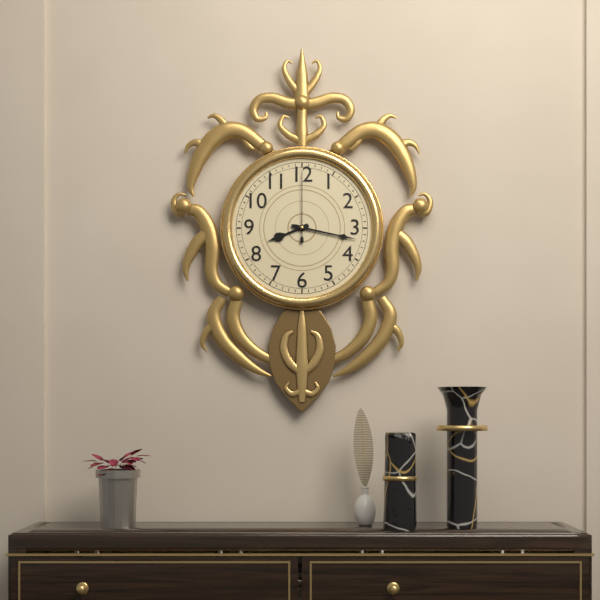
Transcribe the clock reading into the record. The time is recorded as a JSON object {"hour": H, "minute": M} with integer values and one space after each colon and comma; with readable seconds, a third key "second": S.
{"hour": 8, "minute": 17, "second": 0}
